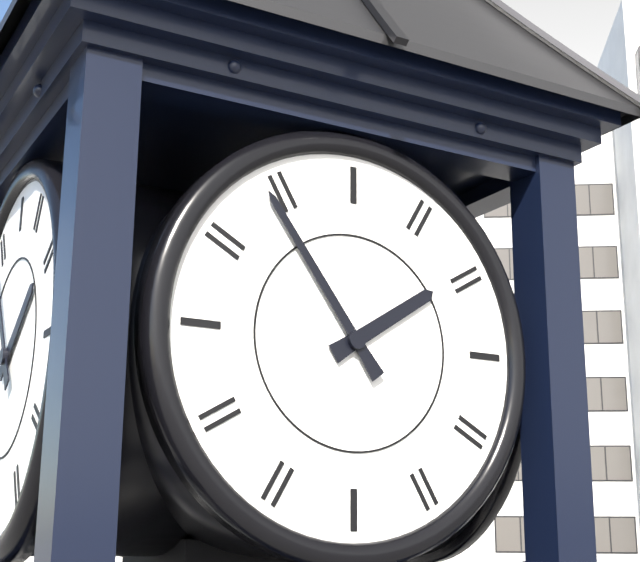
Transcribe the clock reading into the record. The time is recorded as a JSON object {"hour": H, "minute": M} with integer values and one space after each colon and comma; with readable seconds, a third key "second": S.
{"hour": 1, "minute": 54}
